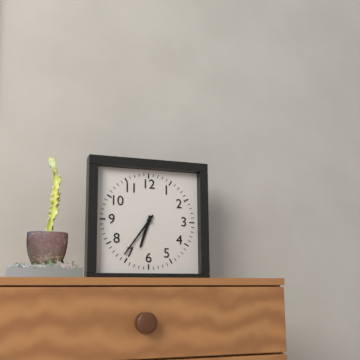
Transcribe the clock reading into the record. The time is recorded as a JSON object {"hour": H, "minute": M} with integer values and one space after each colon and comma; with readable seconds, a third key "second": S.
{"hour": 6, "minute": 36}
